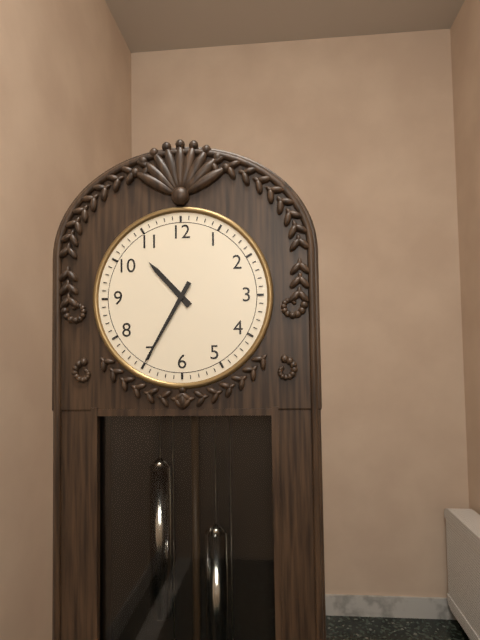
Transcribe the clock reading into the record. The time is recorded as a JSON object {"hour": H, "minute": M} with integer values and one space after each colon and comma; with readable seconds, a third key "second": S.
{"hour": 10, "minute": 35}
